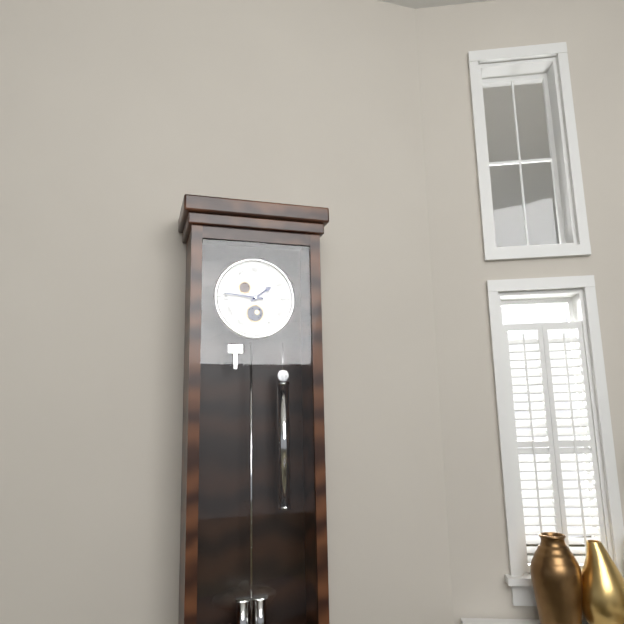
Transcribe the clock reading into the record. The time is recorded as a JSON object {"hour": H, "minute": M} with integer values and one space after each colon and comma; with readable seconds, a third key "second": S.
{"hour": 1, "minute": 46}
